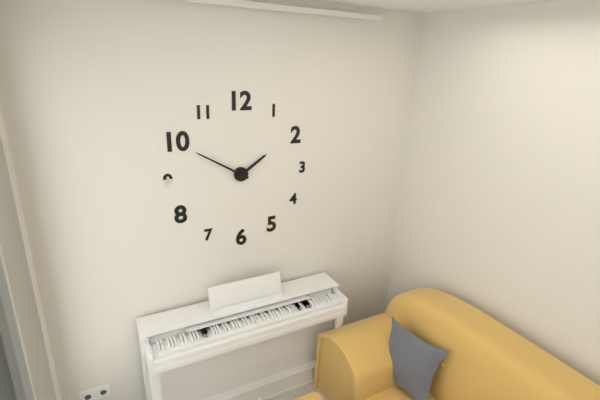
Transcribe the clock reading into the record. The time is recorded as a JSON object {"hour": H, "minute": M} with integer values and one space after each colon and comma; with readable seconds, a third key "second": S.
{"hour": 1, "minute": 50}
